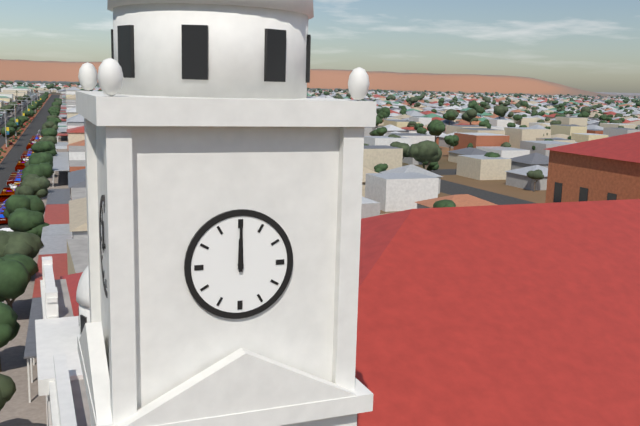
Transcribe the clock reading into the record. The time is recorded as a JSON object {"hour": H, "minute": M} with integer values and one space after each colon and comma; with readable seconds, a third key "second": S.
{"hour": 12, "minute": 0}
